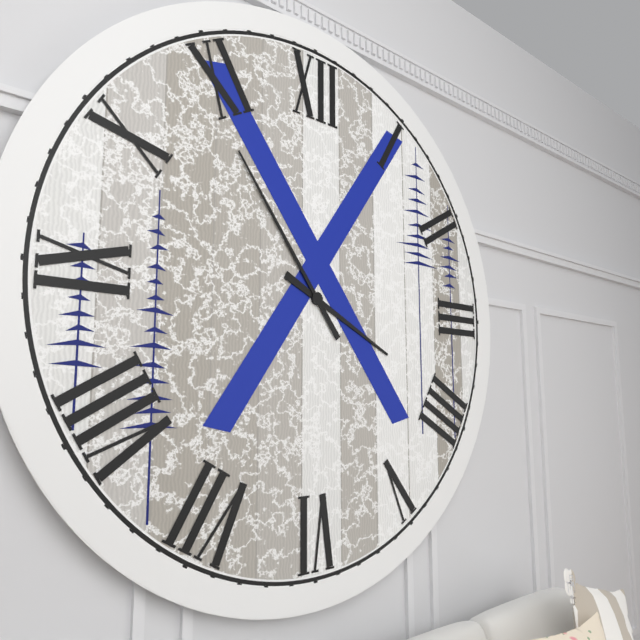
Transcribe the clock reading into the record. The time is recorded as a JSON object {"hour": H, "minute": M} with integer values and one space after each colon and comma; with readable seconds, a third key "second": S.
{"hour": 3, "minute": 54}
